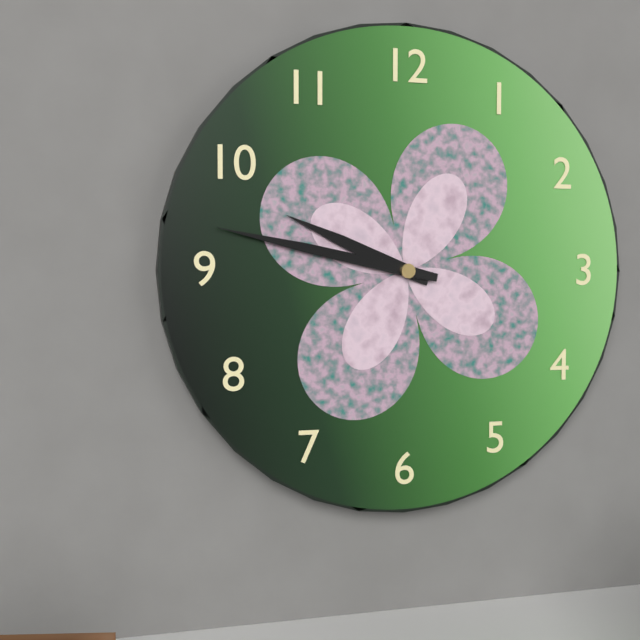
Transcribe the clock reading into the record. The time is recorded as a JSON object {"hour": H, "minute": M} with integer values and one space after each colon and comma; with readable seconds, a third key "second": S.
{"hour": 9, "minute": 47}
